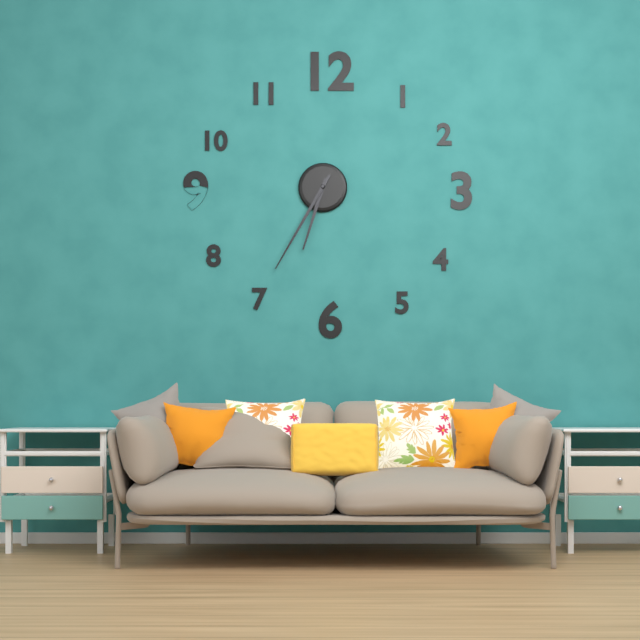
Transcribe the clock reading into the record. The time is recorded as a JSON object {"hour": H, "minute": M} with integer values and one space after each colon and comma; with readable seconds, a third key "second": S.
{"hour": 6, "minute": 35}
